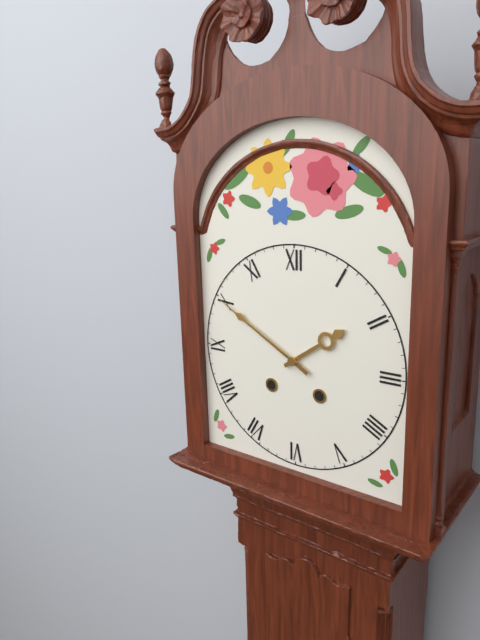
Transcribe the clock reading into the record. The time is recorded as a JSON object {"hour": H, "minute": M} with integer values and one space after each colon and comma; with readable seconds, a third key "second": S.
{"hour": 1, "minute": 50}
